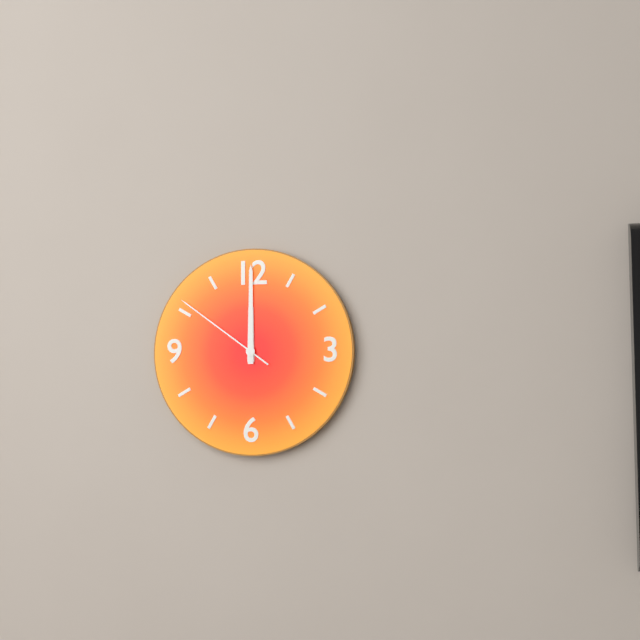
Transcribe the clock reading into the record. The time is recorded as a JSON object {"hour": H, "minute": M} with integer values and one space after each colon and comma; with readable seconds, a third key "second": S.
{"hour": 12, "minute": 0, "second": 51}
